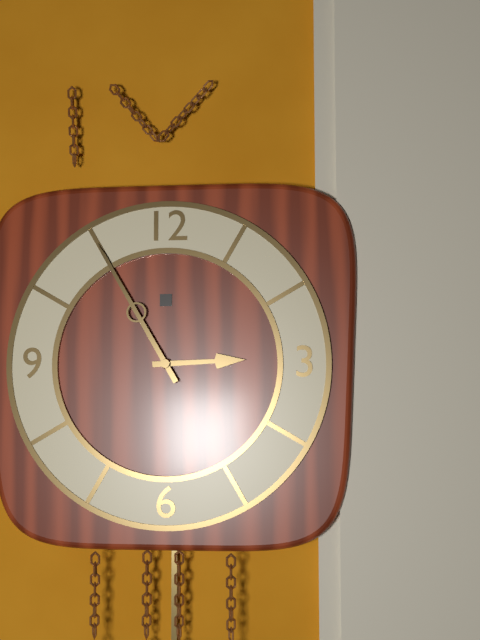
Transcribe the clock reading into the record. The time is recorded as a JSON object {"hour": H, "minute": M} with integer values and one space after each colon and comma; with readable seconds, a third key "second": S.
{"hour": 2, "minute": 55}
